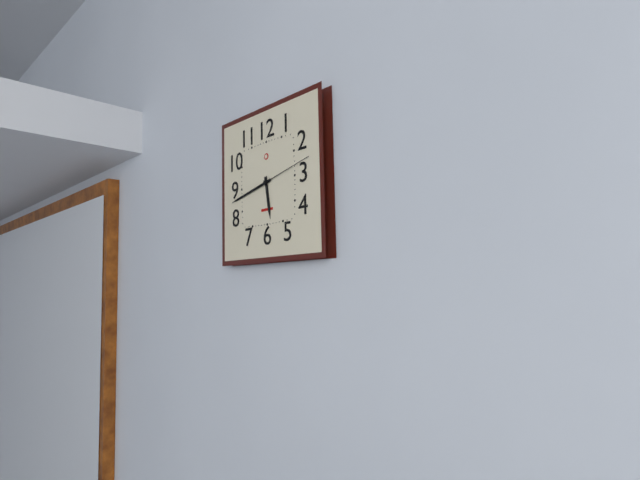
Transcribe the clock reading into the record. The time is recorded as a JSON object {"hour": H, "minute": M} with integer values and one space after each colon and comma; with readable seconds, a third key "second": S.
{"hour": 5, "minute": 43, "second": 13}
